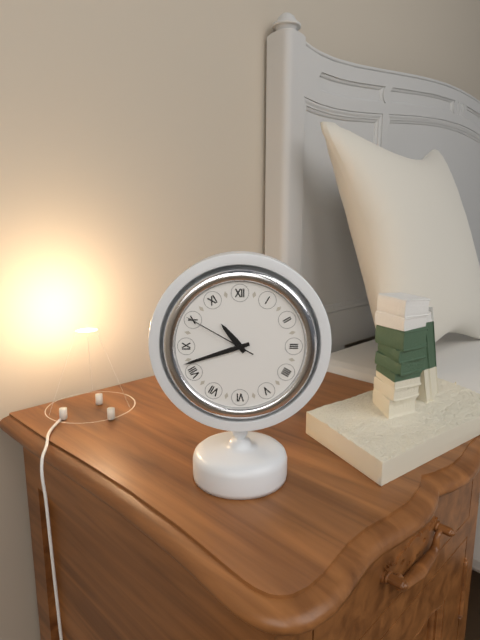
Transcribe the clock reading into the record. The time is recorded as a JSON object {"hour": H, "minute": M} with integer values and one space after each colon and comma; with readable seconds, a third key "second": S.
{"hour": 10, "minute": 42, "second": 50}
